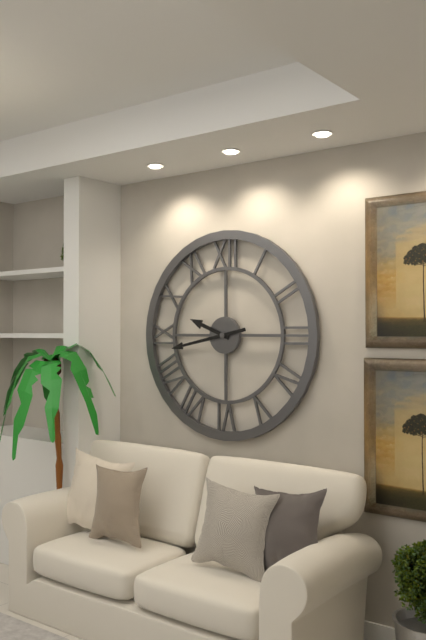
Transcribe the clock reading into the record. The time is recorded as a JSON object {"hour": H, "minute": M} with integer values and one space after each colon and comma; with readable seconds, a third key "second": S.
{"hour": 9, "minute": 43}
